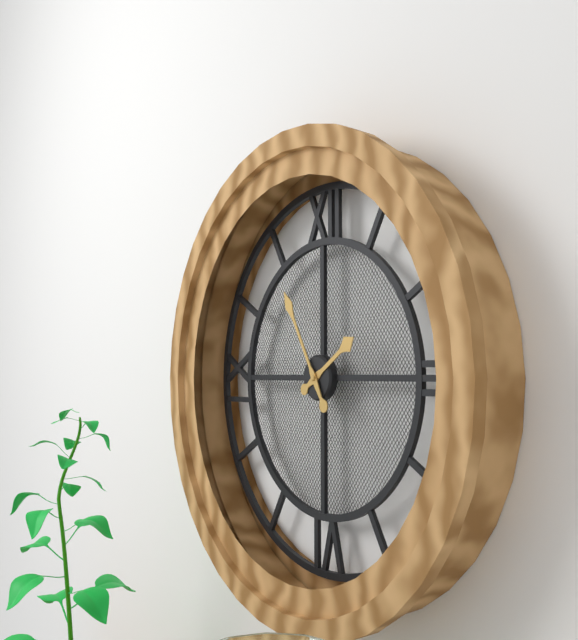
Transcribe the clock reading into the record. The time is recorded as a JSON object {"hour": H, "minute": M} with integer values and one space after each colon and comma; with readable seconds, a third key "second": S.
{"hour": 1, "minute": 55}
